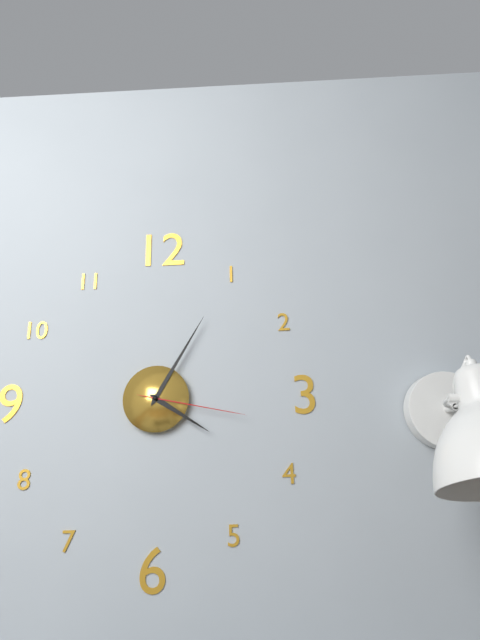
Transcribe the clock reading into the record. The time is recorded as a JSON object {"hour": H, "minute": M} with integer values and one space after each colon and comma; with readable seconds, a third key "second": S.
{"hour": 4, "minute": 5, "second": 17}
